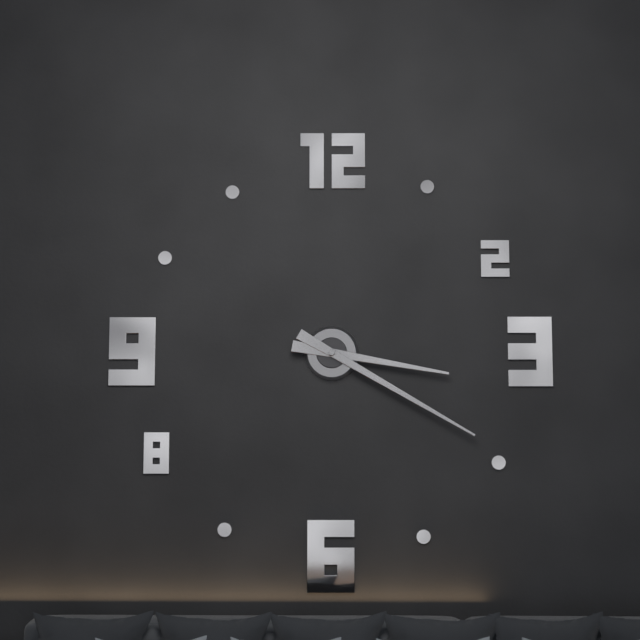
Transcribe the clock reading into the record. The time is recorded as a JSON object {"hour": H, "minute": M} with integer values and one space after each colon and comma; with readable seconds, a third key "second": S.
{"hour": 3, "minute": 20}
